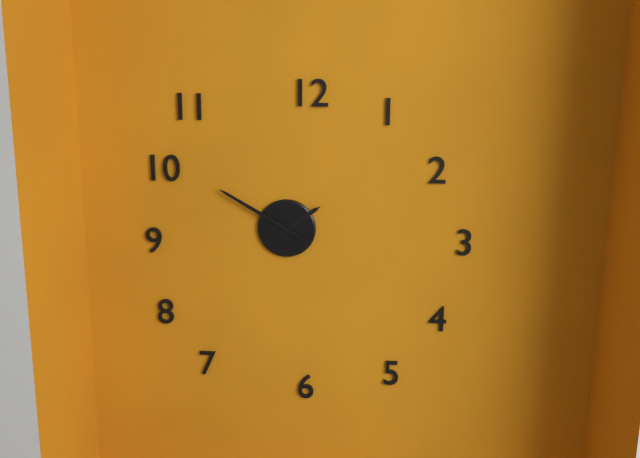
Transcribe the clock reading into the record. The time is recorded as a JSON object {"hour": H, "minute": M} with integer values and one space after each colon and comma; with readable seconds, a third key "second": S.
{"hour": 1, "minute": 50}
